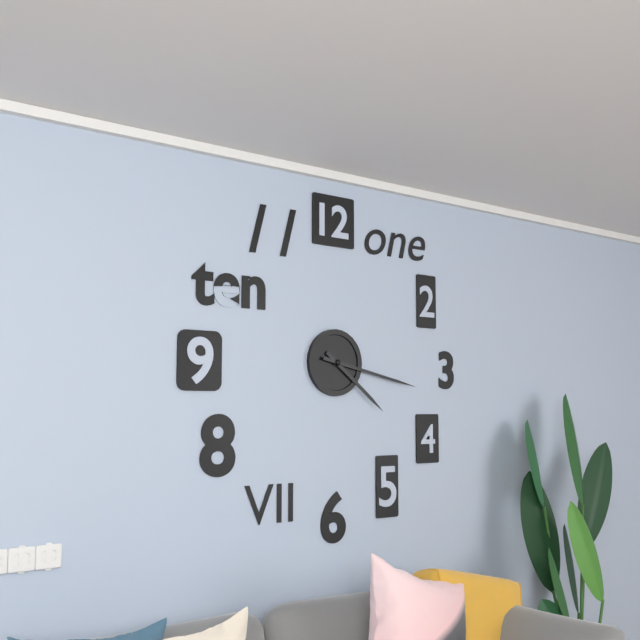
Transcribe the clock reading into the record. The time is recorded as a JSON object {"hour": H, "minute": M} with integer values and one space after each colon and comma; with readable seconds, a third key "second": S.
{"hour": 4, "minute": 17}
